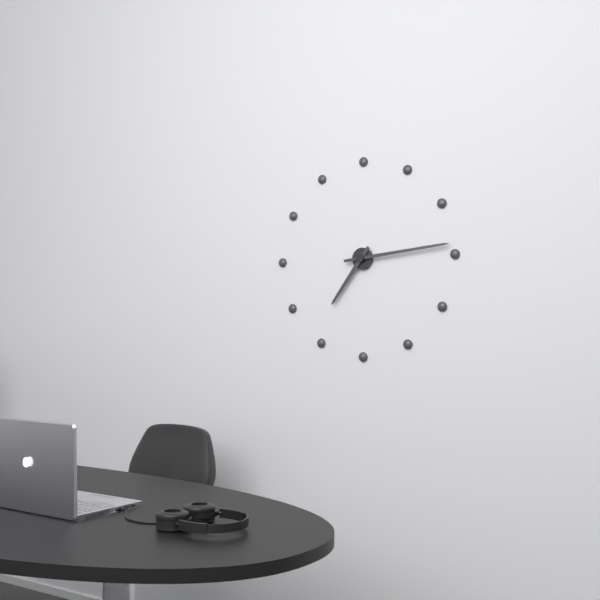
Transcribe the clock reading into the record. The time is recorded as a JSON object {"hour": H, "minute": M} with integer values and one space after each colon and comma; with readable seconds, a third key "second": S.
{"hour": 7, "minute": 14}
